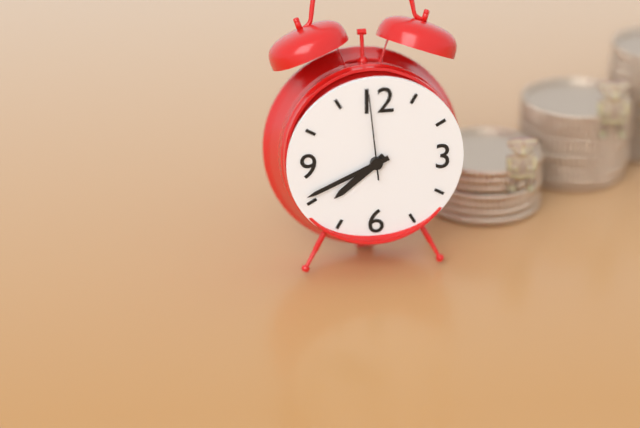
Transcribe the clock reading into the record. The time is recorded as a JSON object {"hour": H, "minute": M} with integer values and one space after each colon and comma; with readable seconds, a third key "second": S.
{"hour": 7, "minute": 41, "second": 59}
